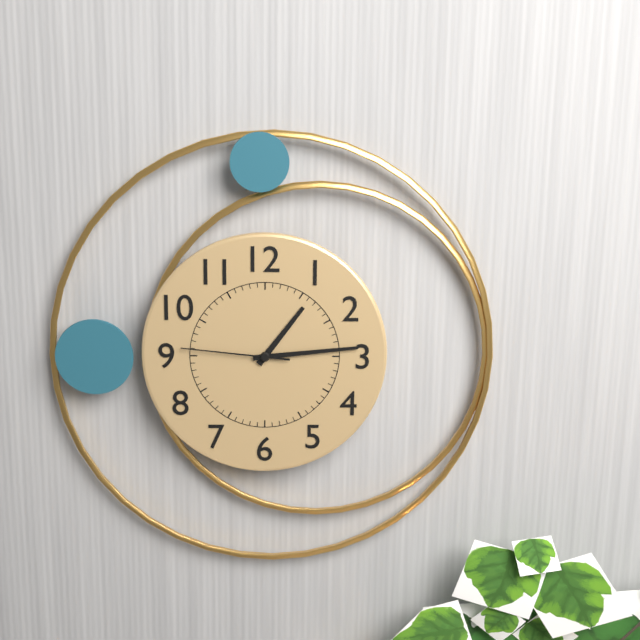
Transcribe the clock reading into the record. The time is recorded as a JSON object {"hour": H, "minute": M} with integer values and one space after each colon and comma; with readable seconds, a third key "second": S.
{"hour": 1, "minute": 14, "second": 46}
